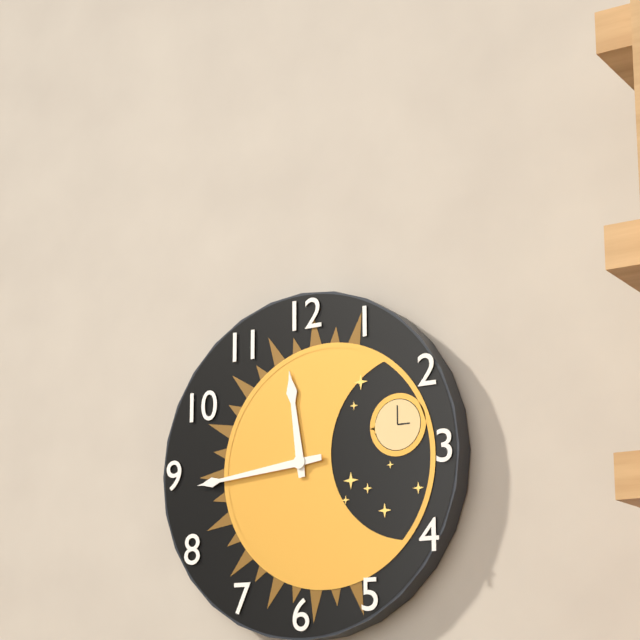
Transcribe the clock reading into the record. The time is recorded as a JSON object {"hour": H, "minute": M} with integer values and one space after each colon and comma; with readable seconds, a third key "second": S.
{"hour": 11, "minute": 44}
